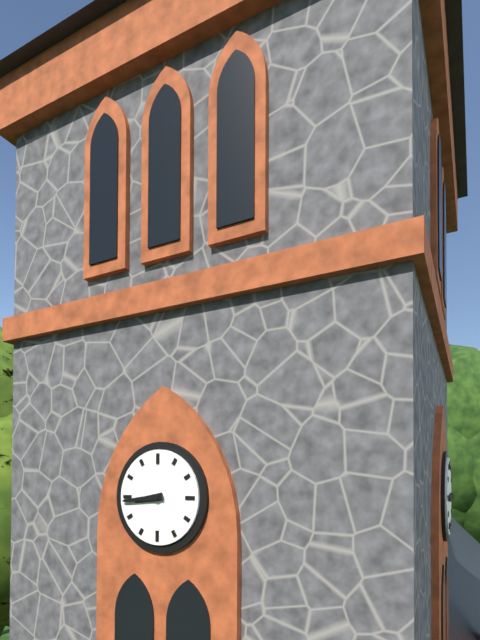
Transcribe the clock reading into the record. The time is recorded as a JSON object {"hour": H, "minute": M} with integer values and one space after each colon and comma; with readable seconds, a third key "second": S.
{"hour": 8, "minute": 44}
